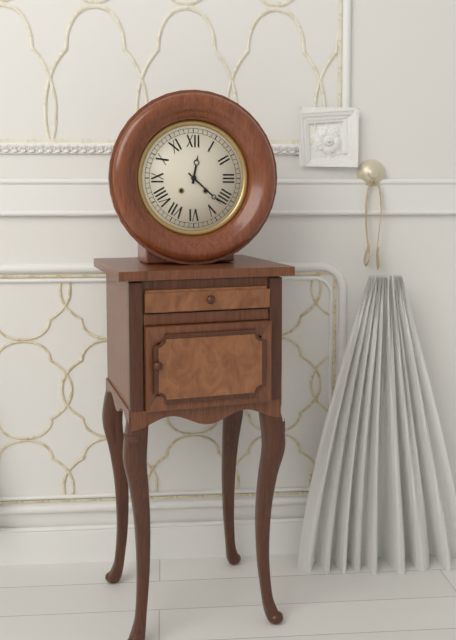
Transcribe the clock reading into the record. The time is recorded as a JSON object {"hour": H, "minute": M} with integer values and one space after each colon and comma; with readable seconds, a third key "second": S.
{"hour": 12, "minute": 22}
